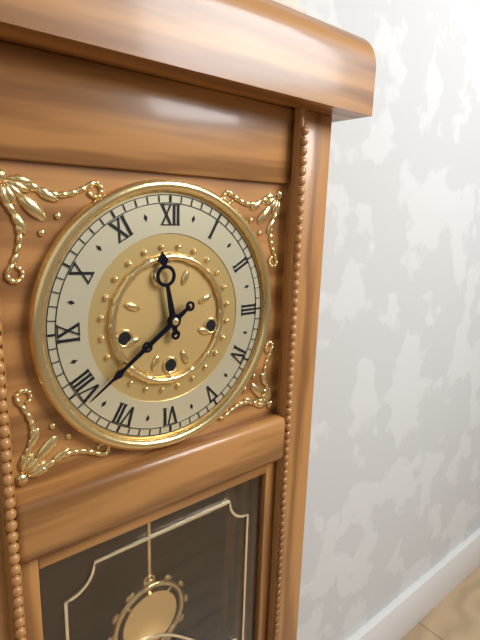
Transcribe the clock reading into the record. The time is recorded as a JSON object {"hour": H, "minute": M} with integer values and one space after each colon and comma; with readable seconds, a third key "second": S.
{"hour": 11, "minute": 39}
